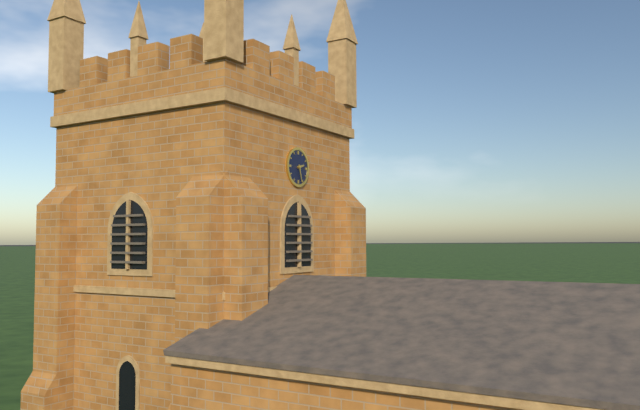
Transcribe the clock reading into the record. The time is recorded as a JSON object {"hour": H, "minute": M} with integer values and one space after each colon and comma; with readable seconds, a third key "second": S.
{"hour": 2, "minute": 27}
